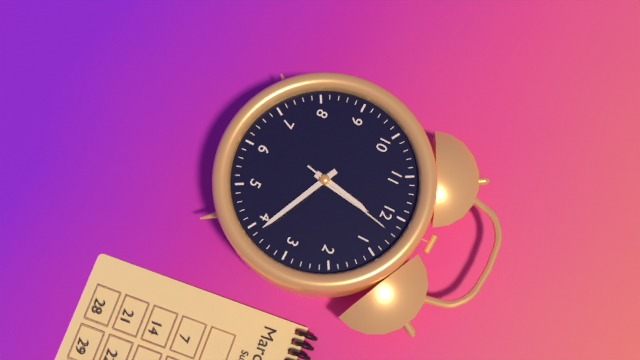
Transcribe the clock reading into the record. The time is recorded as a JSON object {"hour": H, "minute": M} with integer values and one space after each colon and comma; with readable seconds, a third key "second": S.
{"hour": 12, "minute": 19, "second": 2}
